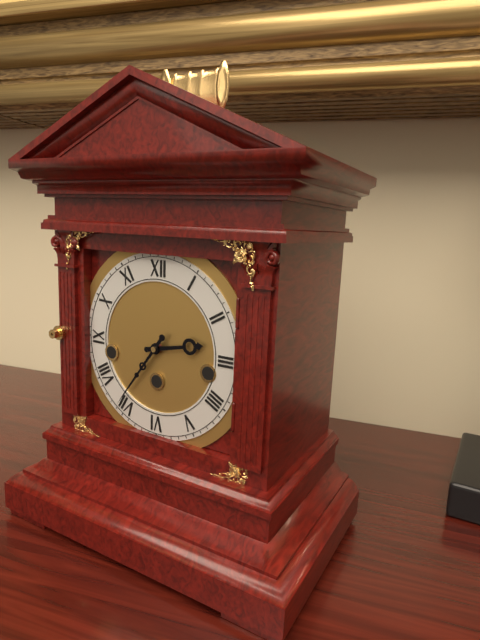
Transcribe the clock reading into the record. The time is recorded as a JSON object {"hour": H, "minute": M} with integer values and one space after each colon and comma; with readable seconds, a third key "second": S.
{"hour": 2, "minute": 36}
